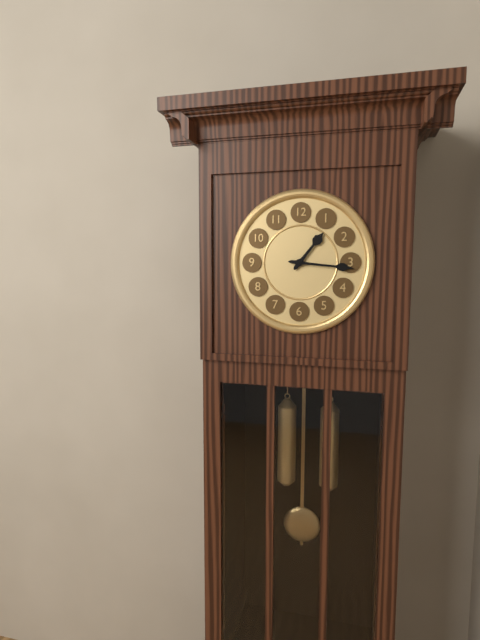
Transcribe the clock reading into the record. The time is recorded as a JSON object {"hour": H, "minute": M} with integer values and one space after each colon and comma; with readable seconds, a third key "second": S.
{"hour": 1, "minute": 16}
